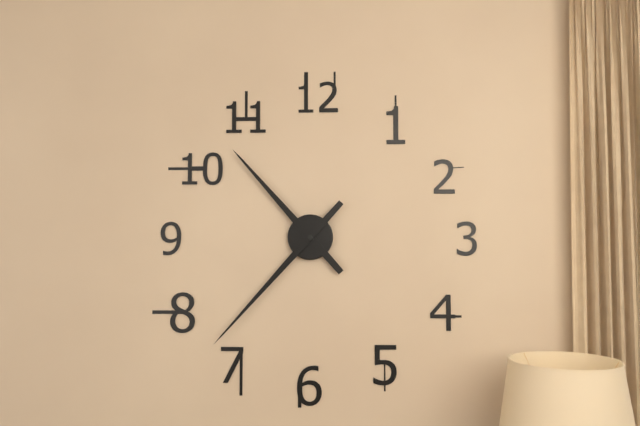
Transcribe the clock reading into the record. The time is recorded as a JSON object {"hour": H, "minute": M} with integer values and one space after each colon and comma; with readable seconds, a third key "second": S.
{"hour": 10, "minute": 37}
